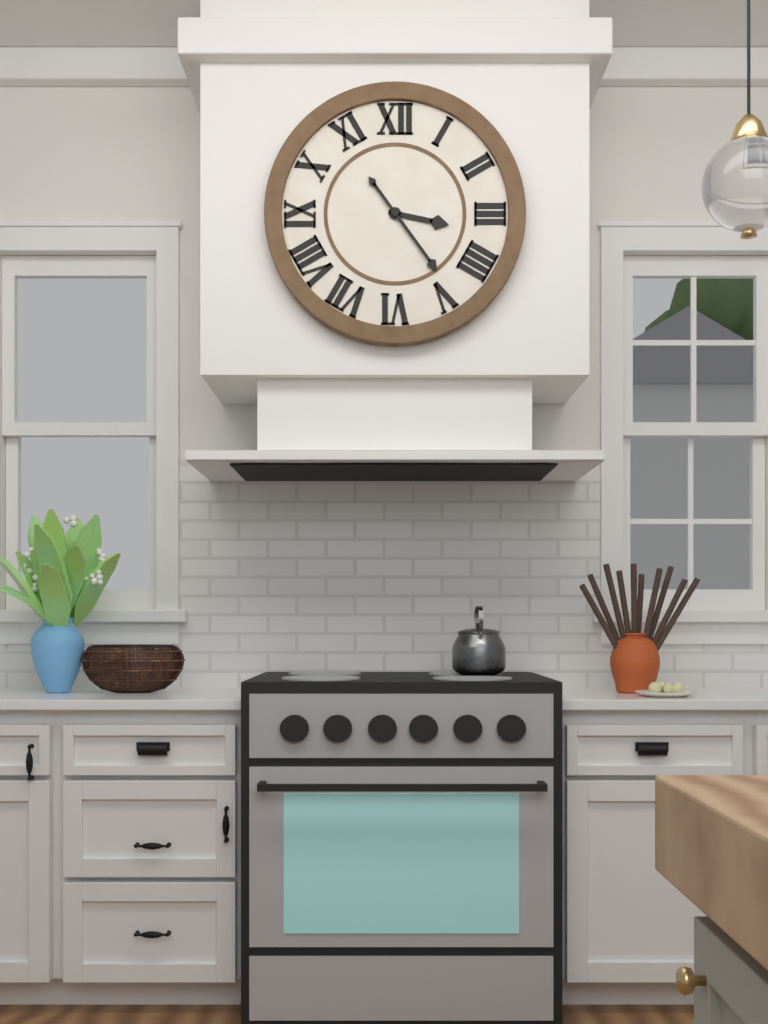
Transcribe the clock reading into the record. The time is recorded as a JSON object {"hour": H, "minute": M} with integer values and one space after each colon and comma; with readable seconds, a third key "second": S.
{"hour": 3, "minute": 24}
